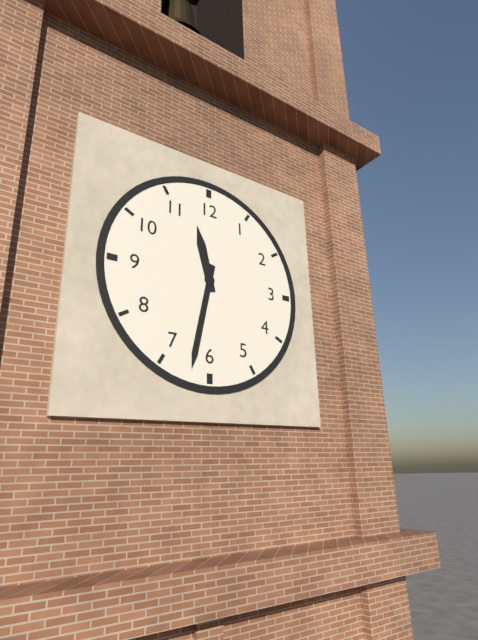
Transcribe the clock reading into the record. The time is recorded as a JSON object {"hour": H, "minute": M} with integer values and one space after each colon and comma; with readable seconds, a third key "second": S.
{"hour": 11, "minute": 32}
